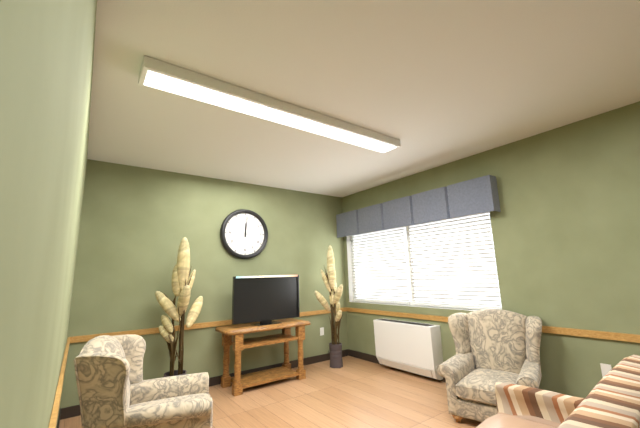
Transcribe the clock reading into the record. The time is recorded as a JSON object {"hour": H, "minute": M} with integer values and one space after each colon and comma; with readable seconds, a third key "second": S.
{"hour": 12, "minute": 1}
